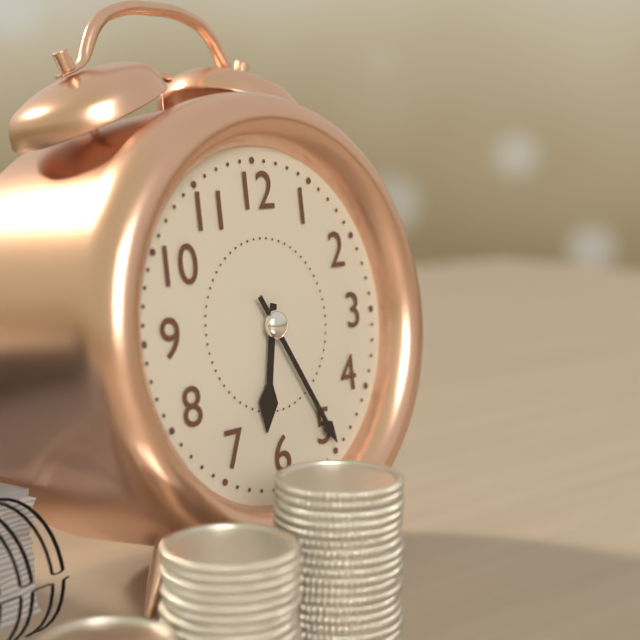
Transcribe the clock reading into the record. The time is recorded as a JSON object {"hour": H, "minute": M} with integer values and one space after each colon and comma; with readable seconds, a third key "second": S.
{"hour": 6, "minute": 25}
